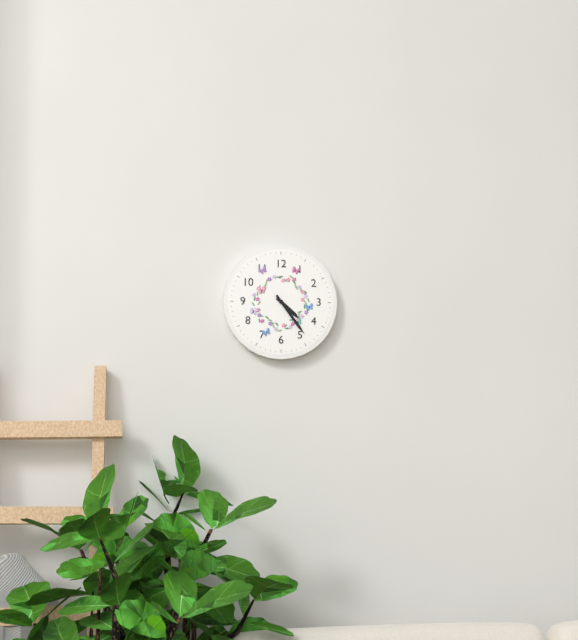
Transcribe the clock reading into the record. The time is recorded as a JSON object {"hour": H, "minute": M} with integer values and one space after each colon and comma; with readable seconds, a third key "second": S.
{"hour": 4, "minute": 24}
